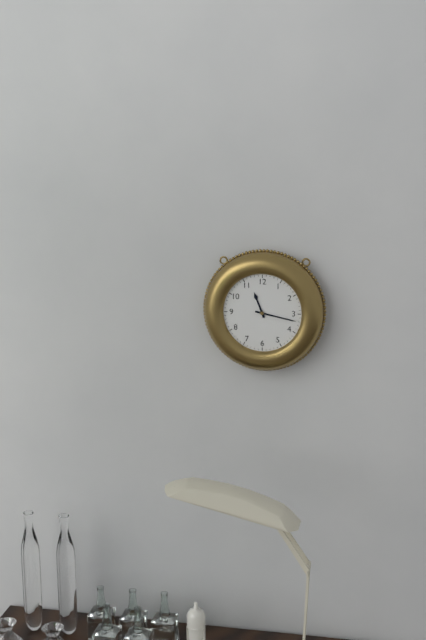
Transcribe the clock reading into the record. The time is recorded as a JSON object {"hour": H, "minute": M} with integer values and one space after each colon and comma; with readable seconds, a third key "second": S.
{"hour": 11, "minute": 17}
